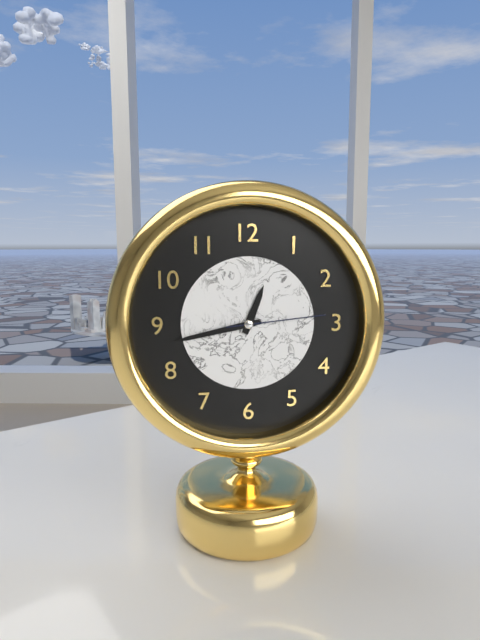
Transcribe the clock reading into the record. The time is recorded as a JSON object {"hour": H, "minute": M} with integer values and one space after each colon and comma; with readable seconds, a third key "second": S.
{"hour": 12, "minute": 43, "second": 14}
